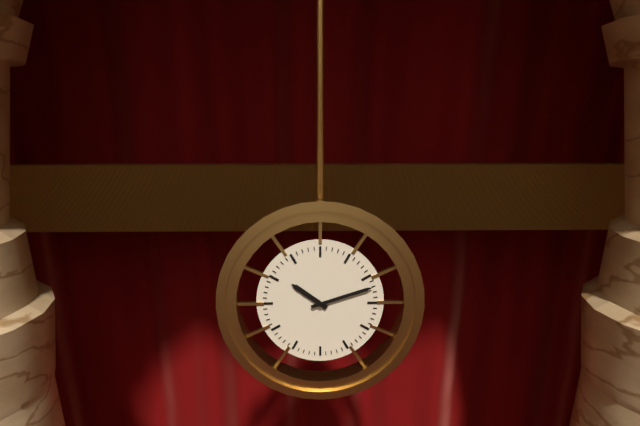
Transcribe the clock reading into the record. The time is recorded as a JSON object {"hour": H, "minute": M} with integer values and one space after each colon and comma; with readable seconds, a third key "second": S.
{"hour": 10, "minute": 12}
